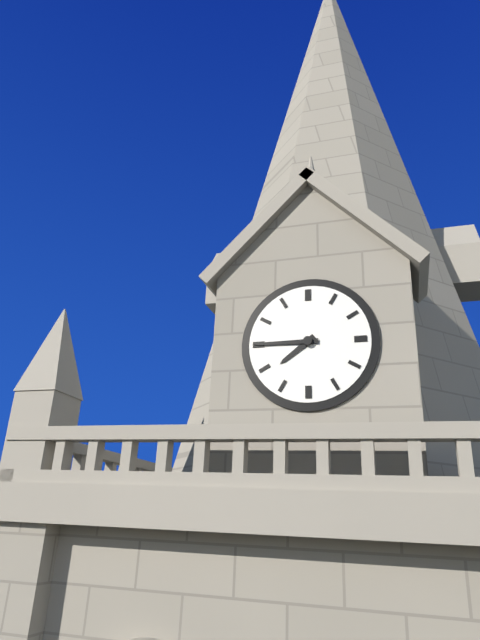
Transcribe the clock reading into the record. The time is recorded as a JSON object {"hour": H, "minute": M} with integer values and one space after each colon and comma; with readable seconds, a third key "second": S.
{"hour": 7, "minute": 45}
